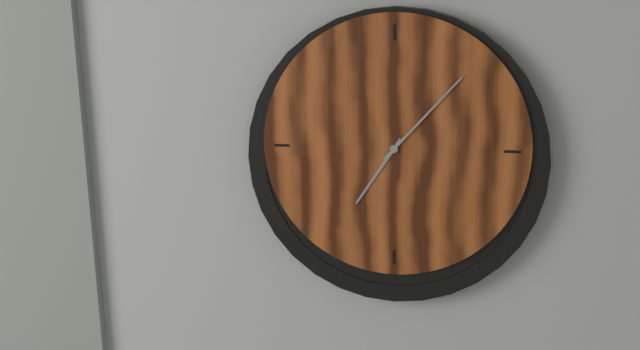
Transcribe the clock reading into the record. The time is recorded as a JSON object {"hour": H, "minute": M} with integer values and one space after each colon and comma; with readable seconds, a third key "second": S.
{"hour": 7, "minute": 7}
